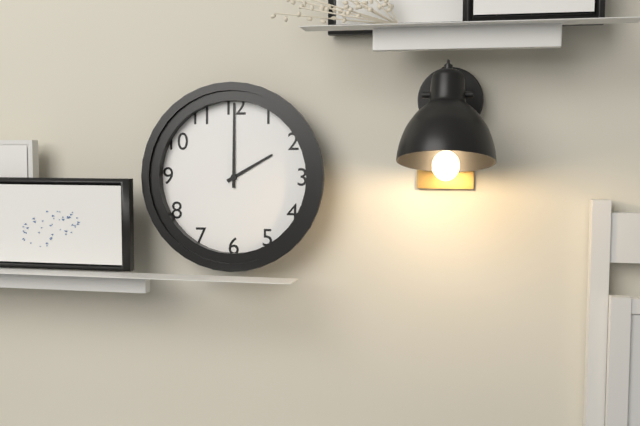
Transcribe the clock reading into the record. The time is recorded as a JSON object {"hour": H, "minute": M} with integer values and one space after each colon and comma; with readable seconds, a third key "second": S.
{"hour": 2, "minute": 0}
